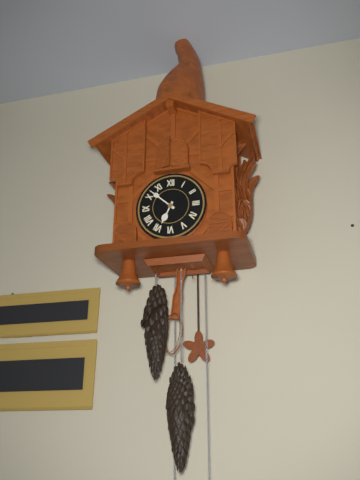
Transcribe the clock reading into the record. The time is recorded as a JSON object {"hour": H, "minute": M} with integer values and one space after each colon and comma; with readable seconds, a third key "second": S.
{"hour": 6, "minute": 52}
